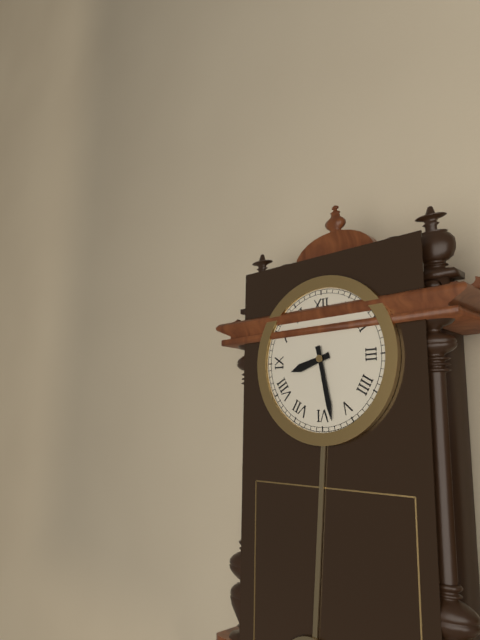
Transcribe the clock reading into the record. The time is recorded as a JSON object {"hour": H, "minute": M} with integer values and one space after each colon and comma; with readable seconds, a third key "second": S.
{"hour": 8, "minute": 28}
